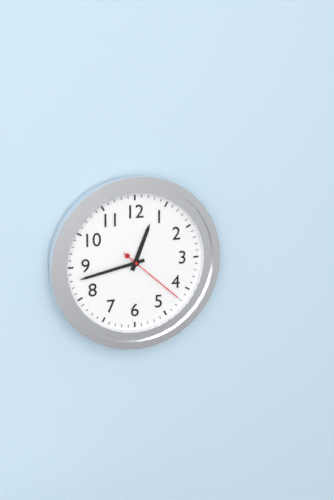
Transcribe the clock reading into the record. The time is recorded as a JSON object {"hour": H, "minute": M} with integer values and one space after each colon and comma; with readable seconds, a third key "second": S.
{"hour": 12, "minute": 43, "second": 22}
